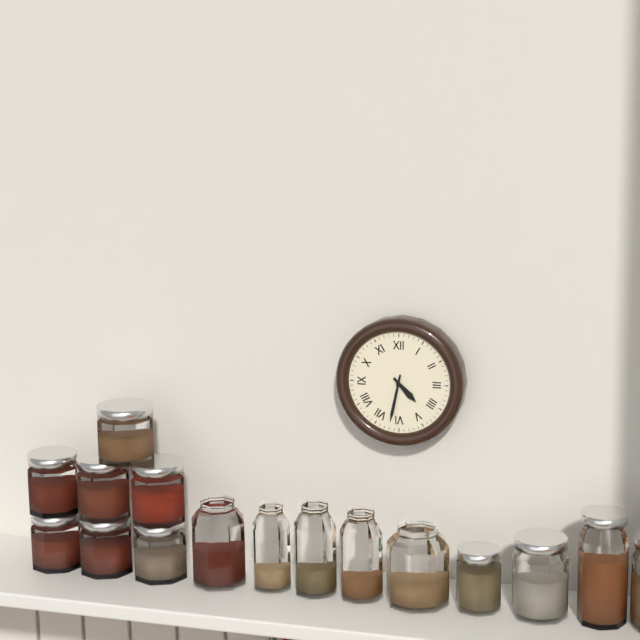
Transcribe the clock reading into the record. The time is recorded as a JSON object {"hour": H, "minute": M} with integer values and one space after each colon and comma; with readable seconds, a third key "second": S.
{"hour": 4, "minute": 32}
